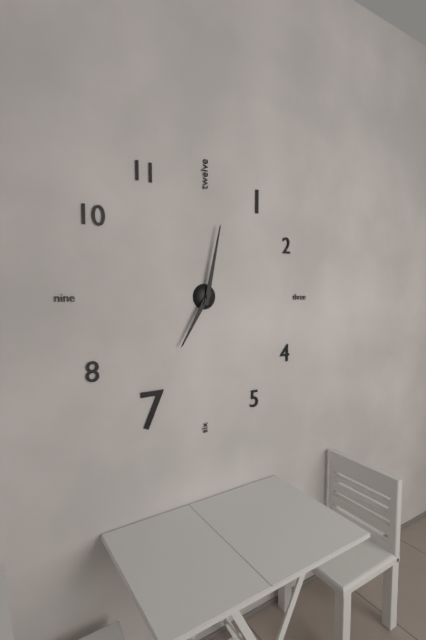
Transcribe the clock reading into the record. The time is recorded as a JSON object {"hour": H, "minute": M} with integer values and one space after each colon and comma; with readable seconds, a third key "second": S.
{"hour": 7, "minute": 2}
